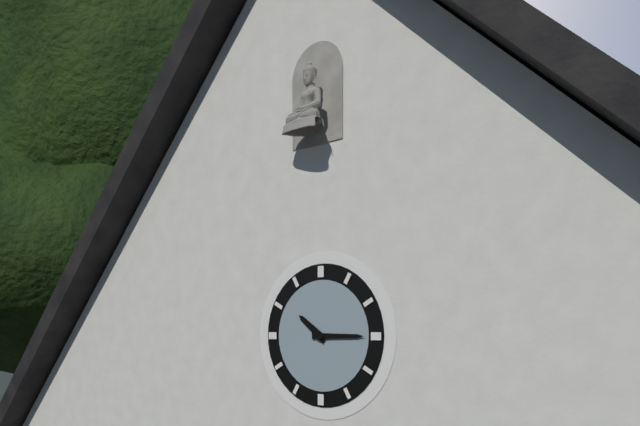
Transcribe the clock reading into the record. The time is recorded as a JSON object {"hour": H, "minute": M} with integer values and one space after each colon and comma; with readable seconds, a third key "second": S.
{"hour": 10, "minute": 15}
